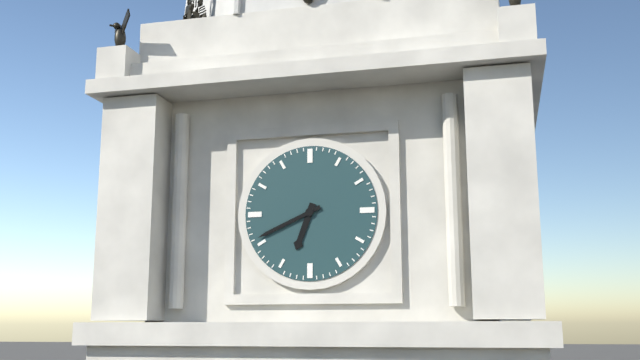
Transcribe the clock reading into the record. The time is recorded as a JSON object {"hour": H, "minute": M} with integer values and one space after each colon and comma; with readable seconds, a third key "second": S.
{"hour": 6, "minute": 41}
